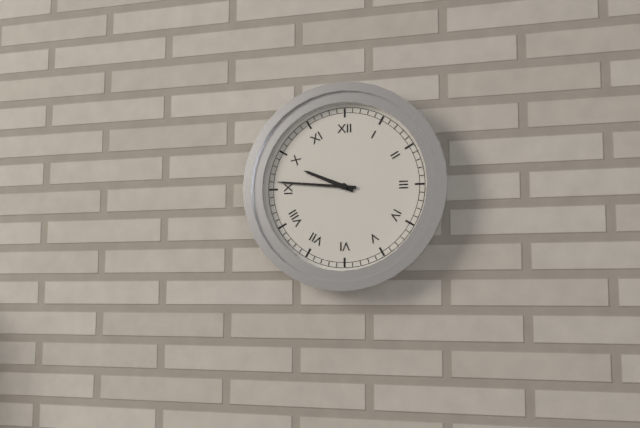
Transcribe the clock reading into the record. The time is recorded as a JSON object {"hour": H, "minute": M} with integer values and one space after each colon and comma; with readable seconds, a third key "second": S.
{"hour": 9, "minute": 46}
